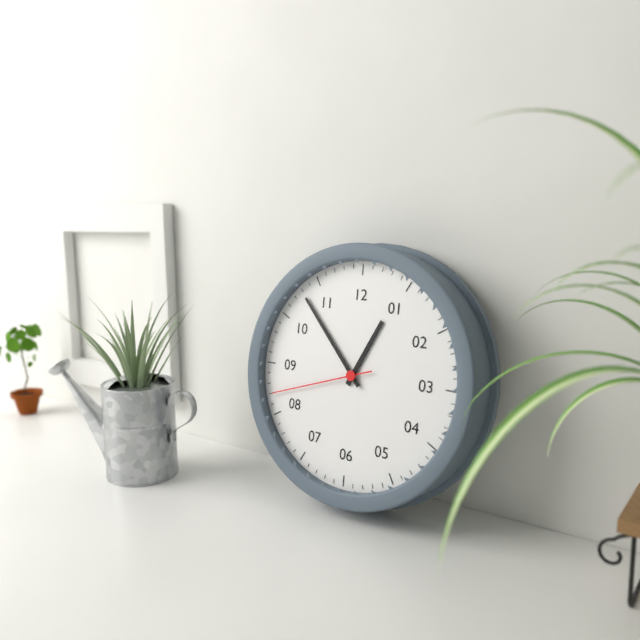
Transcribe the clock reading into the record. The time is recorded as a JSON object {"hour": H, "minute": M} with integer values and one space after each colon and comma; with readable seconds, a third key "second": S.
{"hour": 12, "minute": 53, "second": 42}
